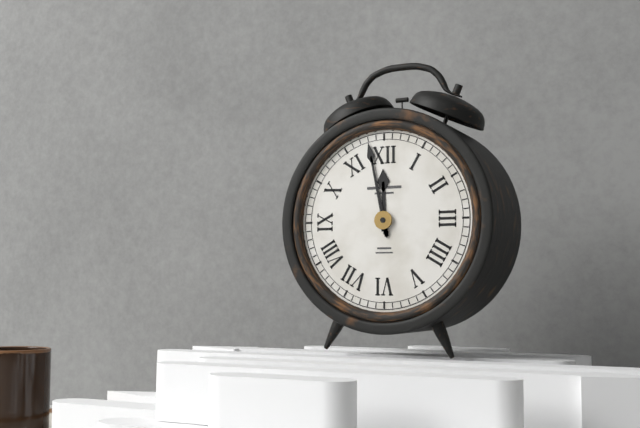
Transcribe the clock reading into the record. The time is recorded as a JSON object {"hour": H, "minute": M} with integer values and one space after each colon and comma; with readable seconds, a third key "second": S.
{"hour": 11, "minute": 58}
